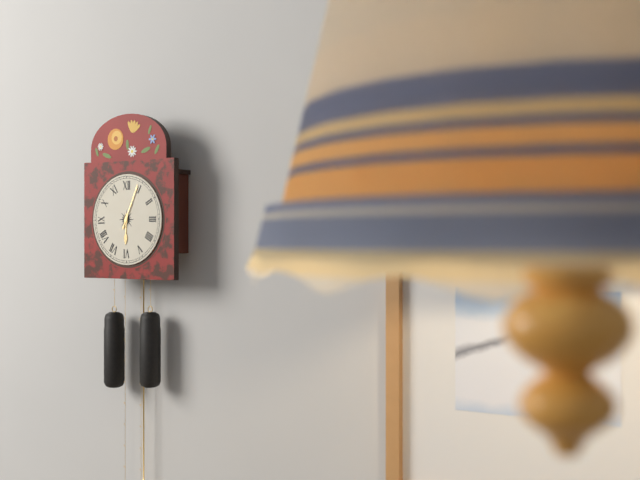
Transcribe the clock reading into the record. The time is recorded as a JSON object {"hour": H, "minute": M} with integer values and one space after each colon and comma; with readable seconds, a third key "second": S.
{"hour": 6, "minute": 4}
